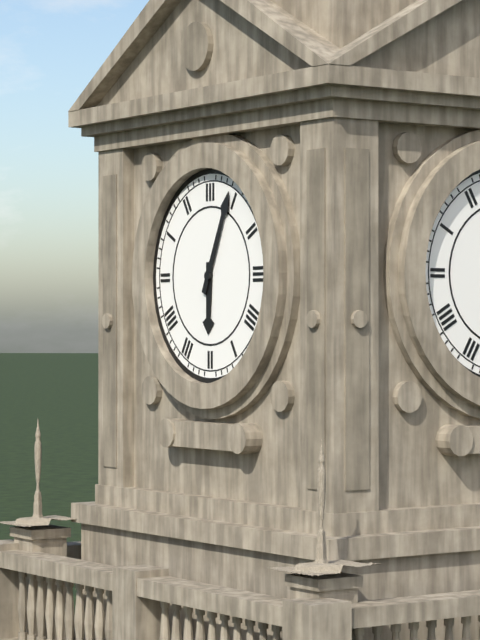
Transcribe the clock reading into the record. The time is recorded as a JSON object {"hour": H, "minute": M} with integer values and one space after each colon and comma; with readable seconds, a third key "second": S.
{"hour": 6, "minute": 4}
